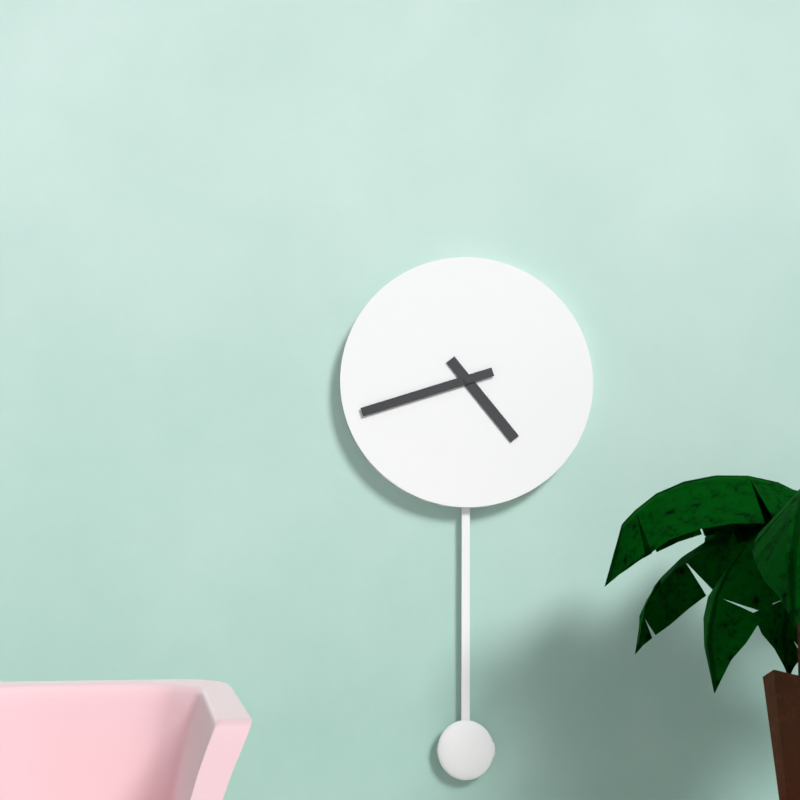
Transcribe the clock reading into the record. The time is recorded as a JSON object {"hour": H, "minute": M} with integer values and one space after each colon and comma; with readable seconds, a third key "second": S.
{"hour": 4, "minute": 42}
